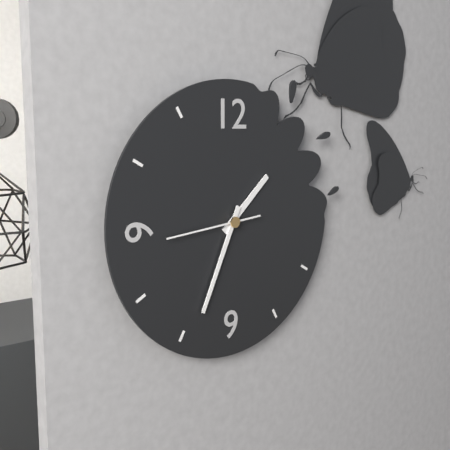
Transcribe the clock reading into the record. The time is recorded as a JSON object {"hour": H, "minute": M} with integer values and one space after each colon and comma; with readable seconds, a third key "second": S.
{"hour": 1, "minute": 34, "second": 44}
